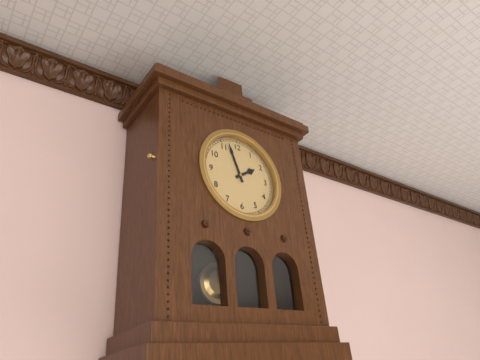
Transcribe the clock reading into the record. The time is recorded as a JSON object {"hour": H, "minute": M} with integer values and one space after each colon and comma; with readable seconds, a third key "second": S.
{"hour": 1, "minute": 57}
